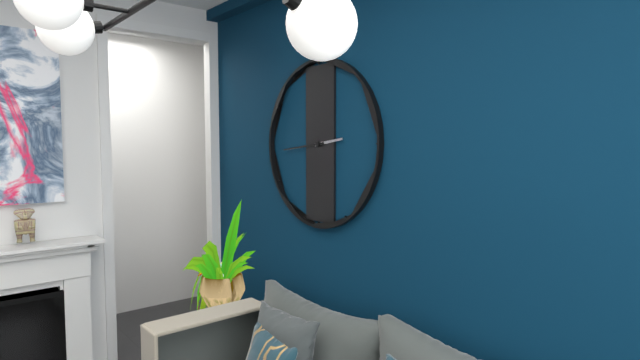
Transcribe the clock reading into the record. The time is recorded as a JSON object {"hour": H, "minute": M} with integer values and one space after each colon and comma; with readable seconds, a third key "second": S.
{"hour": 2, "minute": 44}
